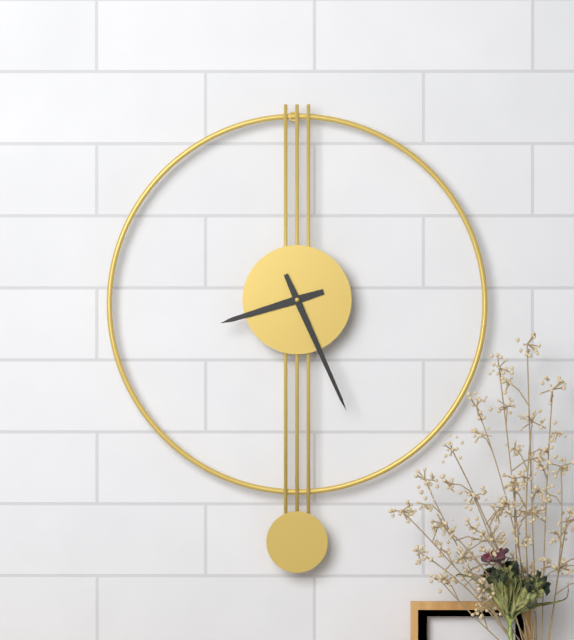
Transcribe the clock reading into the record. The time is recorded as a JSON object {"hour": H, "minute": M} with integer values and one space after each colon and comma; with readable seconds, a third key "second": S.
{"hour": 8, "minute": 26}
